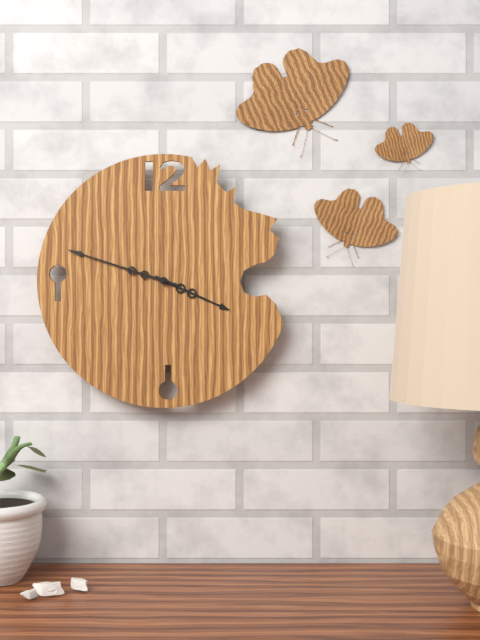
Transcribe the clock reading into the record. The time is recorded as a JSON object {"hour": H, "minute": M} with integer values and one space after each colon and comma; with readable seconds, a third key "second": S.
{"hour": 3, "minute": 48}
